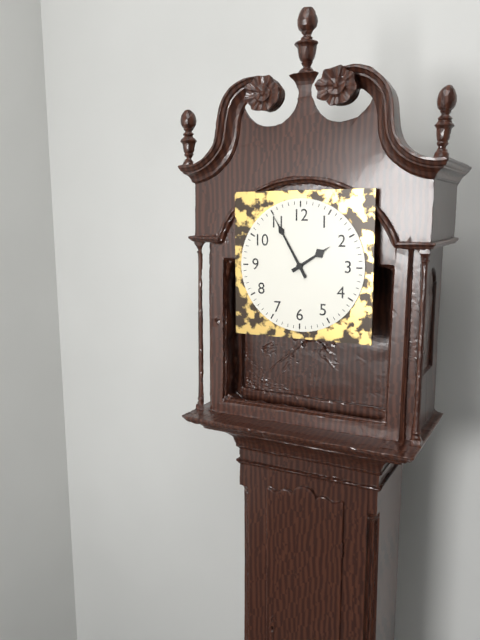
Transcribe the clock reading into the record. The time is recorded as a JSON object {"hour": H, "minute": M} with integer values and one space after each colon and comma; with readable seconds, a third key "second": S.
{"hour": 1, "minute": 55}
